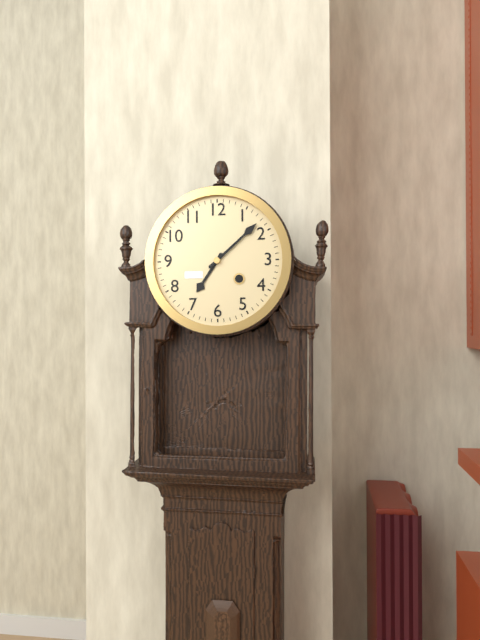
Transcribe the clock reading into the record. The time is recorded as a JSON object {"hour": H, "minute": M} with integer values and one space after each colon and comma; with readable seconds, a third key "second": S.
{"hour": 7, "minute": 8}
